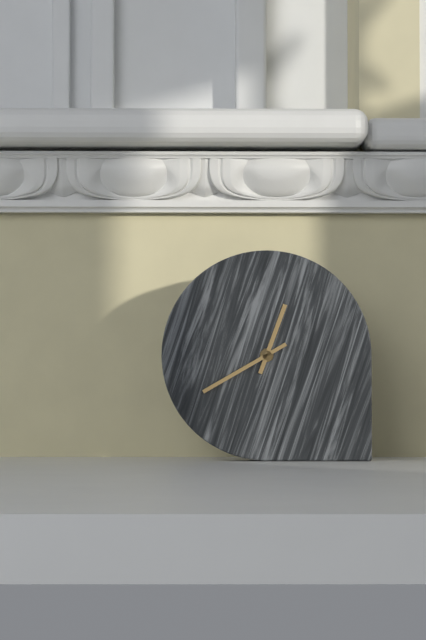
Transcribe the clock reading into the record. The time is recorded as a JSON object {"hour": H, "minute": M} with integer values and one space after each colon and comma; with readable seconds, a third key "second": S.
{"hour": 12, "minute": 40}
